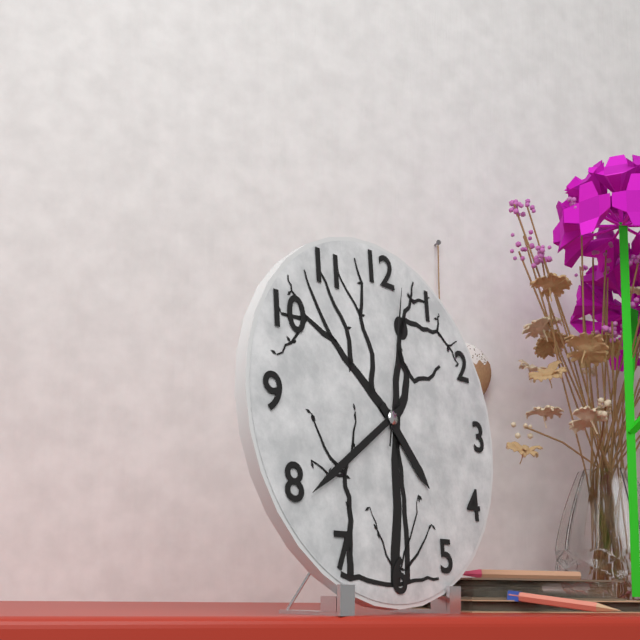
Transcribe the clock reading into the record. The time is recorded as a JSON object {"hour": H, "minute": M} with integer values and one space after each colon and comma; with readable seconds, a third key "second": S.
{"hour": 4, "minute": 39, "second": 2}
